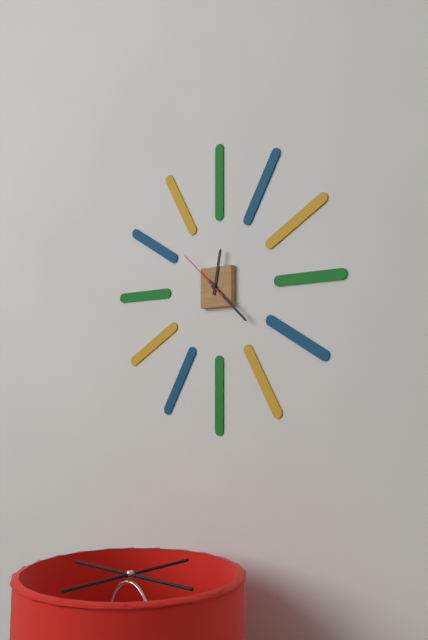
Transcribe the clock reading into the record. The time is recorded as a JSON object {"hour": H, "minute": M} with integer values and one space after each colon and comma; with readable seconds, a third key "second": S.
{"hour": 12, "minute": 22, "second": 52}
